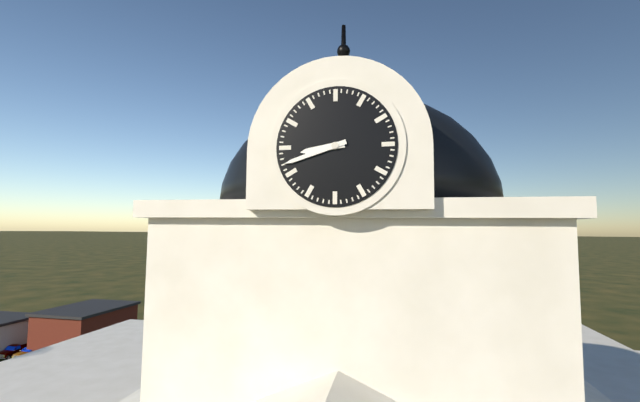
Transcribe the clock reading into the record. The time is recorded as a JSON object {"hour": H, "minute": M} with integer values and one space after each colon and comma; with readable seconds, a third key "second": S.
{"hour": 8, "minute": 42}
